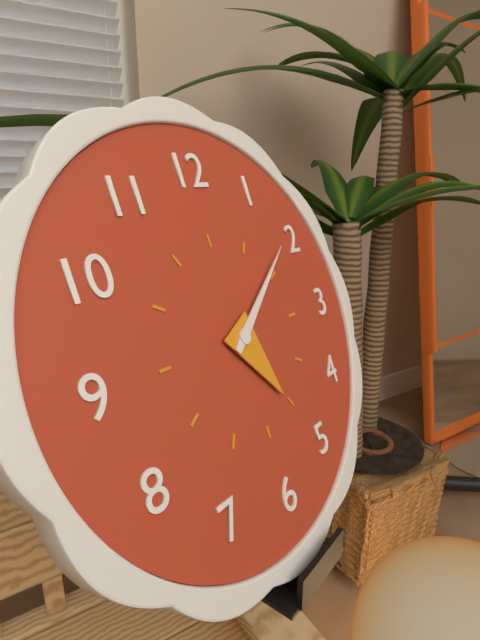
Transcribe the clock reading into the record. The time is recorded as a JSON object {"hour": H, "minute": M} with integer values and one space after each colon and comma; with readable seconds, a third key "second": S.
{"hour": 5, "minute": 9}
